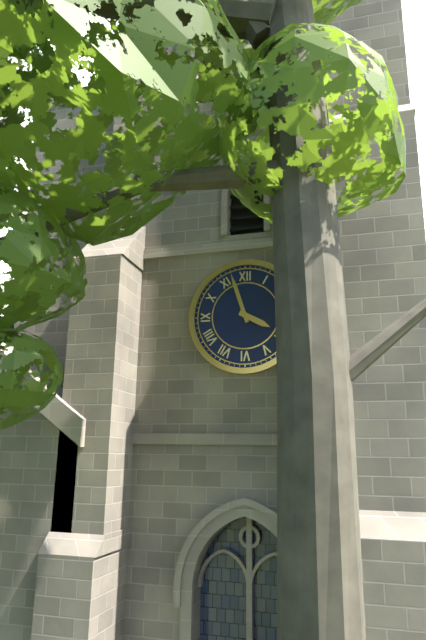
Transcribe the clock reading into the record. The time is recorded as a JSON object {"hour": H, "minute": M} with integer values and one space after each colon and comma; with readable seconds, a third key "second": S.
{"hour": 3, "minute": 57}
